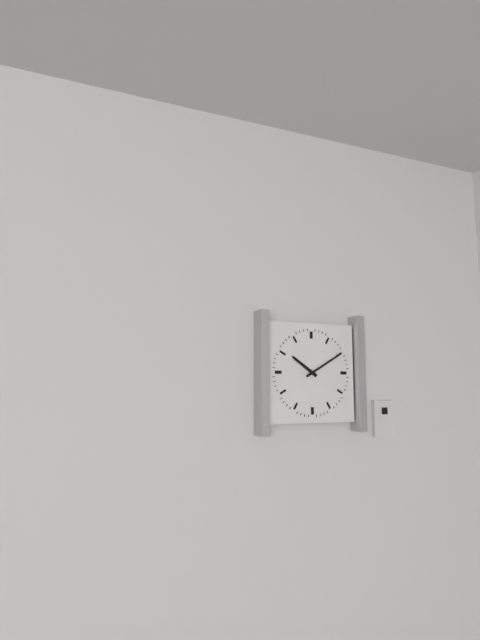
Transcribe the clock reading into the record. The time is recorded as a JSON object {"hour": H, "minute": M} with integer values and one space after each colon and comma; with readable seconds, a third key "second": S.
{"hour": 10, "minute": 10}
